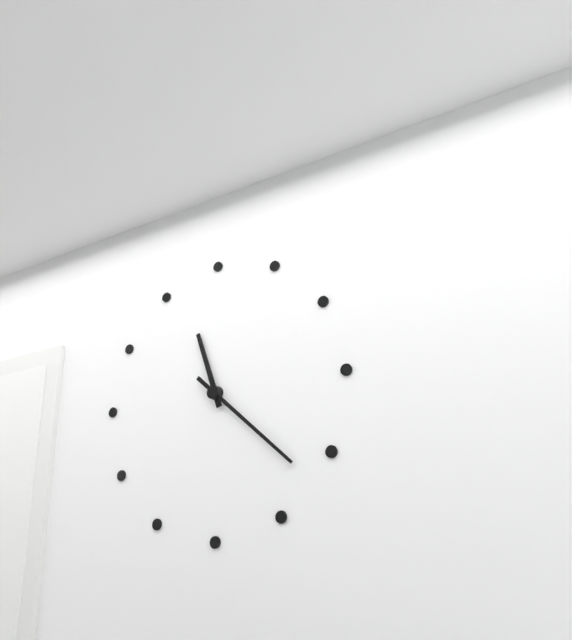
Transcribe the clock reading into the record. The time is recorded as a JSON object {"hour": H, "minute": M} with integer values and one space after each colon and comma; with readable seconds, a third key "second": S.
{"hour": 11, "minute": 22}
